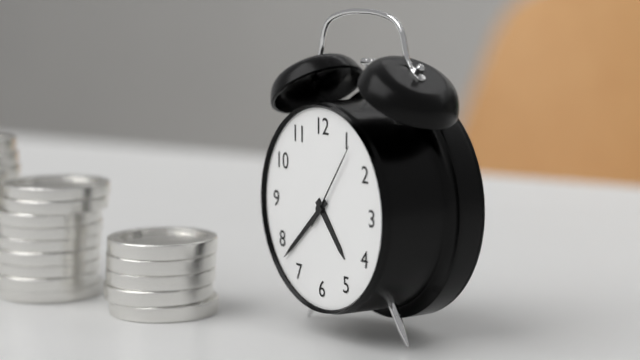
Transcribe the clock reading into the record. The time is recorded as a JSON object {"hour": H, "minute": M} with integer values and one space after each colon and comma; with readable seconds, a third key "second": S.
{"hour": 4, "minute": 38, "second": 6}
